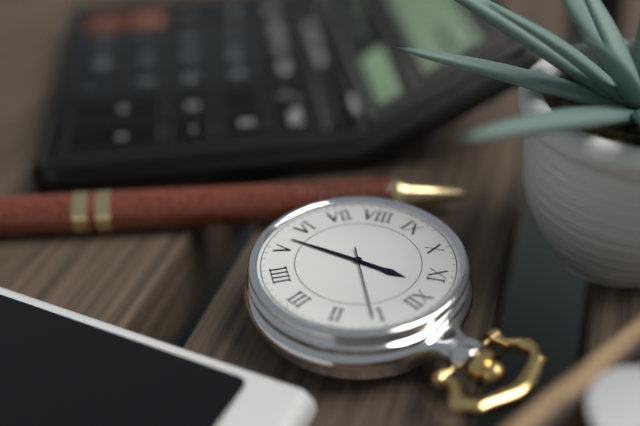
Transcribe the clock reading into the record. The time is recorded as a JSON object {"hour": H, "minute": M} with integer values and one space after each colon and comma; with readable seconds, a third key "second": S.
{"hour": 11, "minute": 27, "second": 6}
